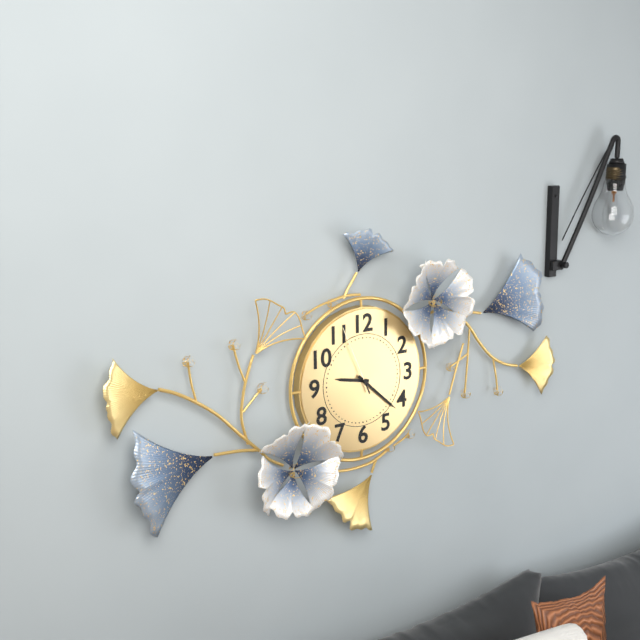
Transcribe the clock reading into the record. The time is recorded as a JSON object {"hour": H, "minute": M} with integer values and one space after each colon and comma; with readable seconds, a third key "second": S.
{"hour": 9, "minute": 22, "second": 56}
